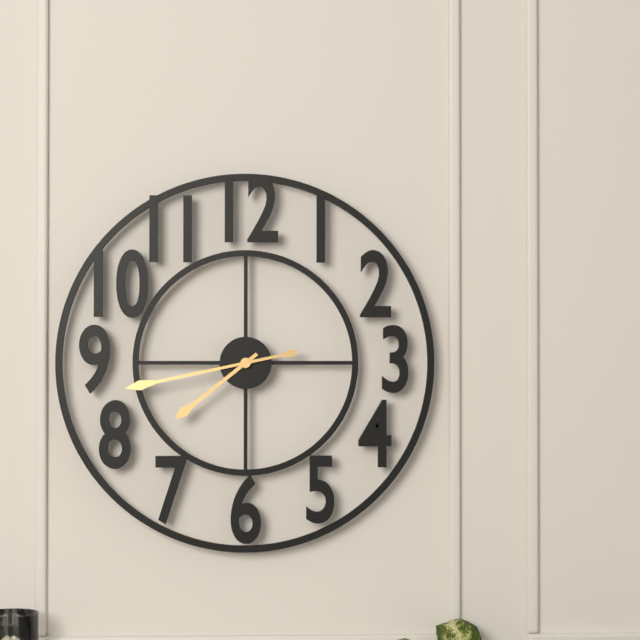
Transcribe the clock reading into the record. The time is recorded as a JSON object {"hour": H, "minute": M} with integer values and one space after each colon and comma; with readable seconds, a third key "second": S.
{"hour": 7, "minute": 43}
